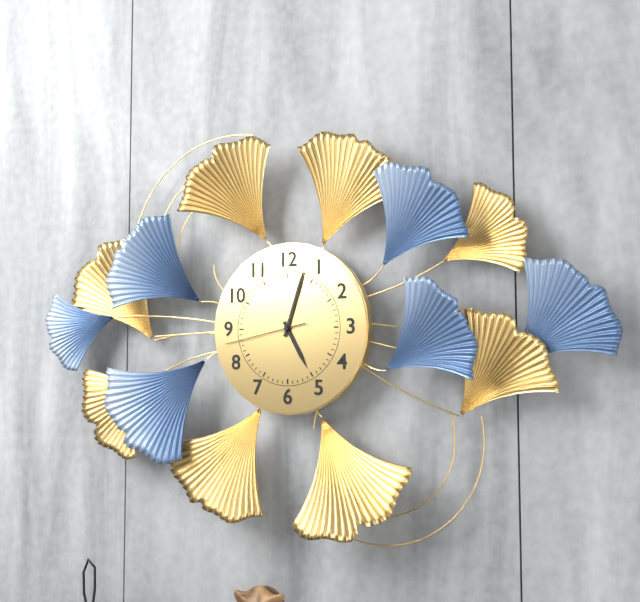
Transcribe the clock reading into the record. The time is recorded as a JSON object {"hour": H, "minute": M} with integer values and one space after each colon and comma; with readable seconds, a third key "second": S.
{"hour": 5, "minute": 3, "second": 43}
